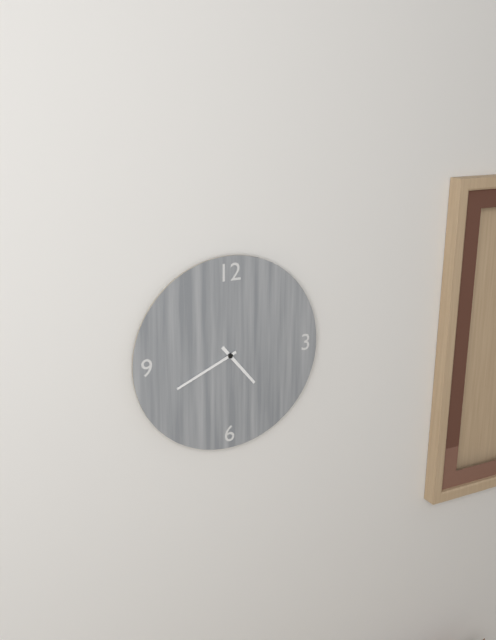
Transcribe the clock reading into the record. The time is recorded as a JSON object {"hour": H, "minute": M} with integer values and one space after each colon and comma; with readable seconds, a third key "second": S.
{"hour": 4, "minute": 41}
